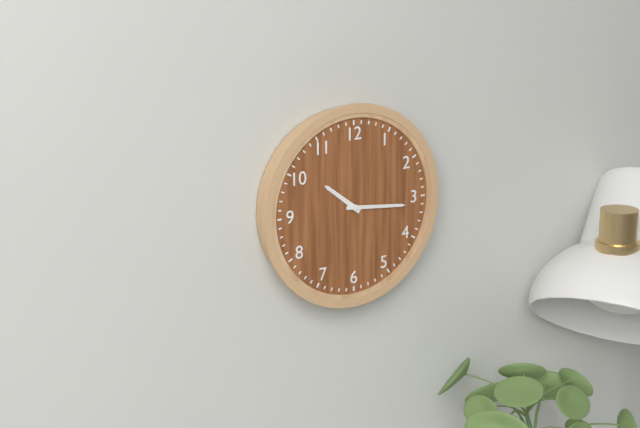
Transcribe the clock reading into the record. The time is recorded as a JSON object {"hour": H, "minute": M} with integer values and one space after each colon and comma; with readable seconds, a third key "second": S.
{"hour": 10, "minute": 16}
